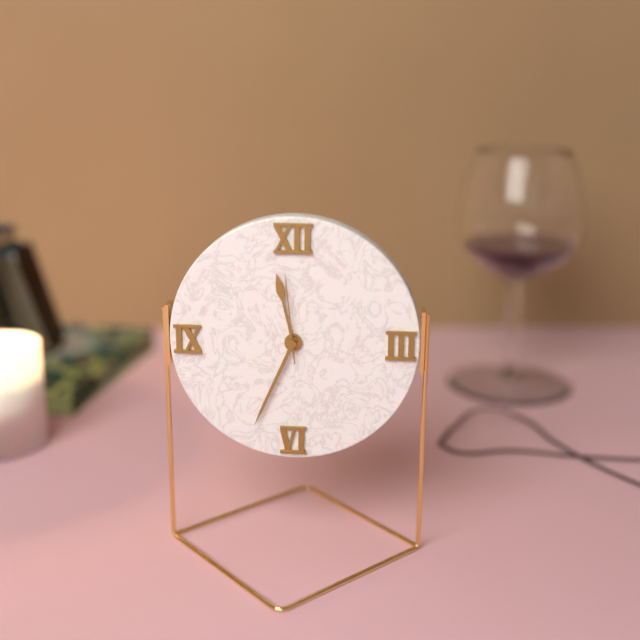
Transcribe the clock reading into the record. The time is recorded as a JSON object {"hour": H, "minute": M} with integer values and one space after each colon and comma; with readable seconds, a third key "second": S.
{"hour": 11, "minute": 34, "second": 59}
